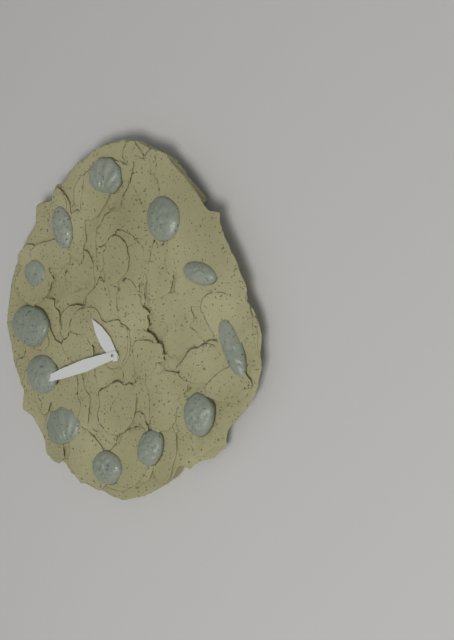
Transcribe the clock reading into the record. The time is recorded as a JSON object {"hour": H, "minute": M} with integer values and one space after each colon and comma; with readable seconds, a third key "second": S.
{"hour": 10, "minute": 42}
